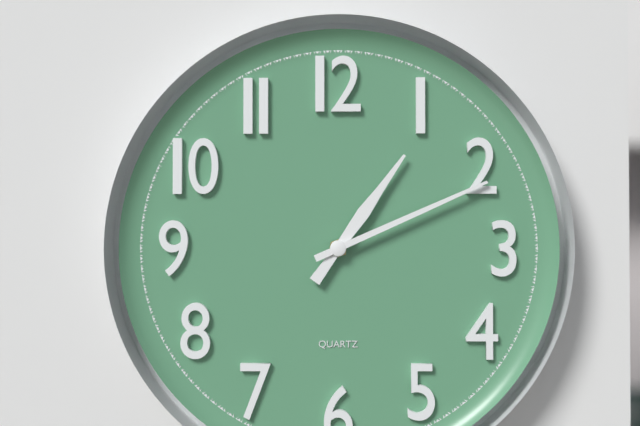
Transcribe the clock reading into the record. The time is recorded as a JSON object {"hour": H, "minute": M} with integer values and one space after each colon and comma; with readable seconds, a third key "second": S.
{"hour": 1, "minute": 11}
